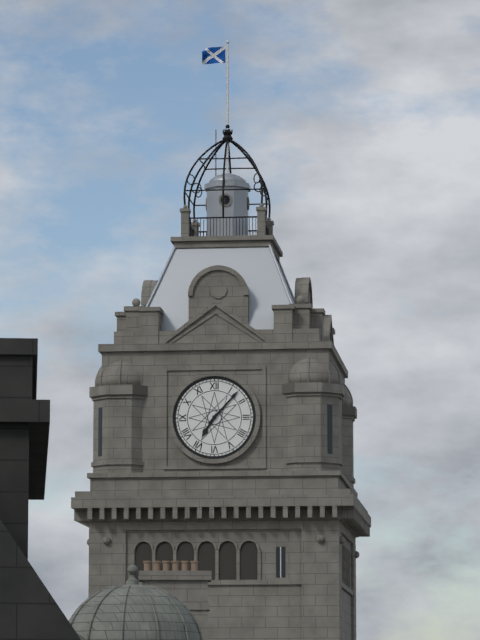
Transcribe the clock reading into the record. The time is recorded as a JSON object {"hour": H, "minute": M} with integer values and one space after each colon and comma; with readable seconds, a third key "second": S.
{"hour": 7, "minute": 7}
